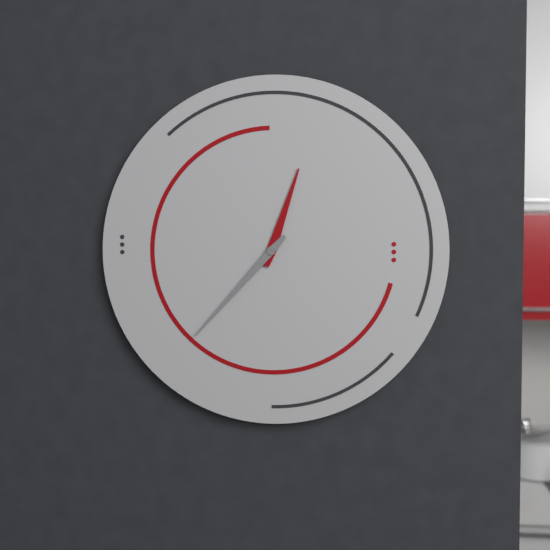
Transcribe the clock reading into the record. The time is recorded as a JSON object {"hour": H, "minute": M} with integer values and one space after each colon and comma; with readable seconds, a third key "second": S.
{"hour": 12, "minute": 37}
